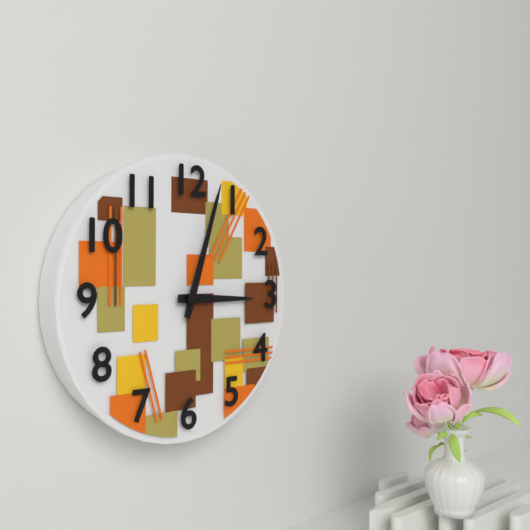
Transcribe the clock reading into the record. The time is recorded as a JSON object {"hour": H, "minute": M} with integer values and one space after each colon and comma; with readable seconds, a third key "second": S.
{"hour": 3, "minute": 3}
